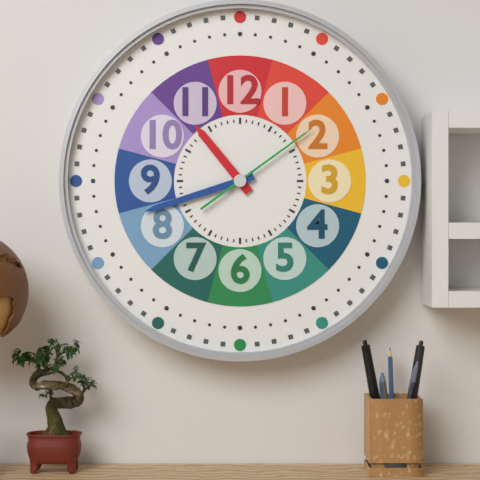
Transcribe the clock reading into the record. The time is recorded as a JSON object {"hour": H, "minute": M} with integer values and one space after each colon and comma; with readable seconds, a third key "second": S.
{"hour": 10, "minute": 42, "second": 9}
